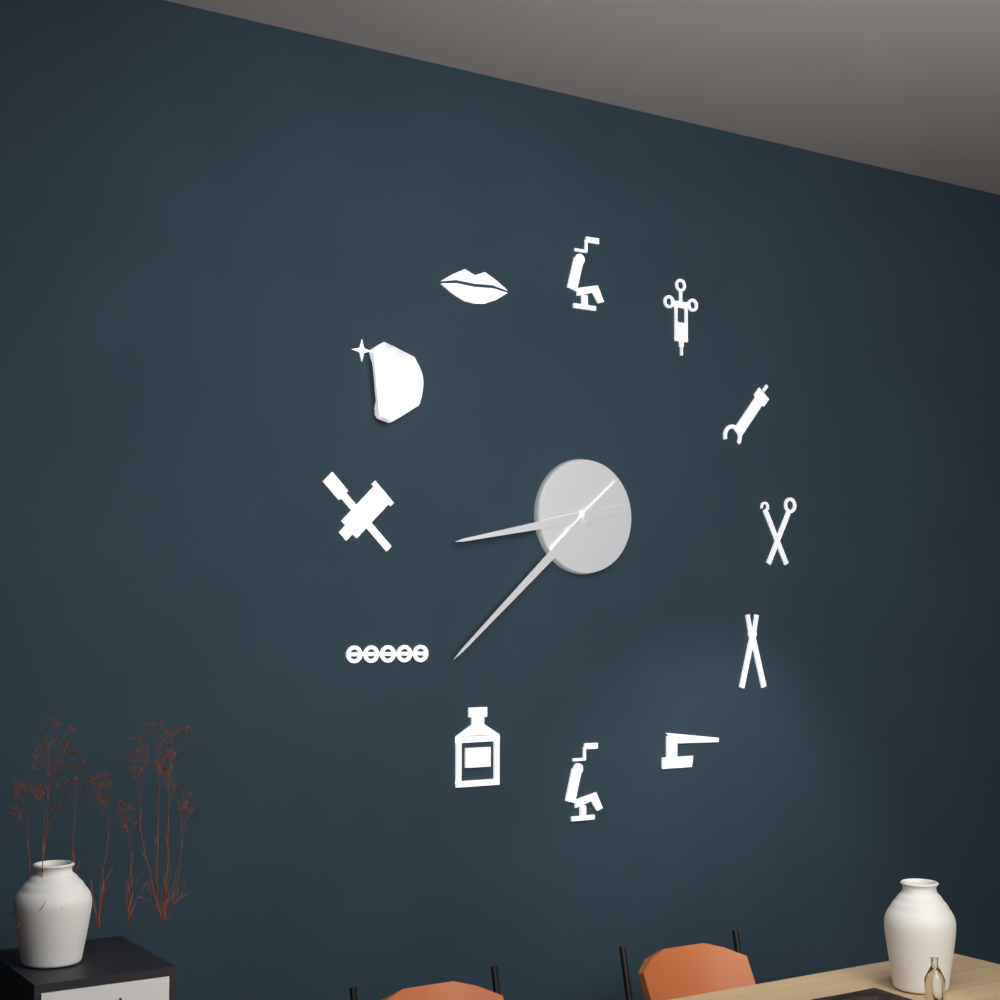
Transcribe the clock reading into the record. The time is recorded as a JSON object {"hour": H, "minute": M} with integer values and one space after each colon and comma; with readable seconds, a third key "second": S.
{"hour": 8, "minute": 38}
